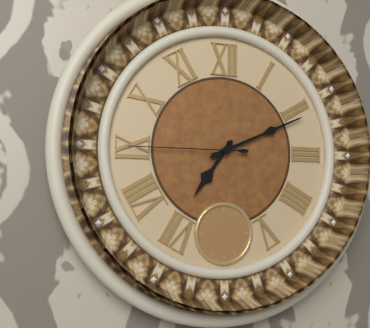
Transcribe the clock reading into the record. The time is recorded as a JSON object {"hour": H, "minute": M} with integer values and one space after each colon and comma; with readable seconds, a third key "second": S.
{"hour": 7, "minute": 11, "second": 45}
